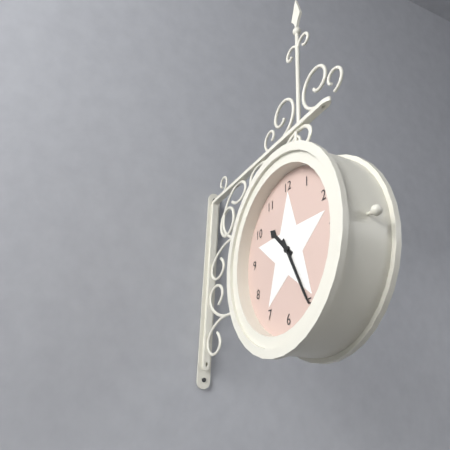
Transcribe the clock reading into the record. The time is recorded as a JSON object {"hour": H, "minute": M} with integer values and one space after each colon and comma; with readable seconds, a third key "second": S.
{"hour": 10, "minute": 25}
